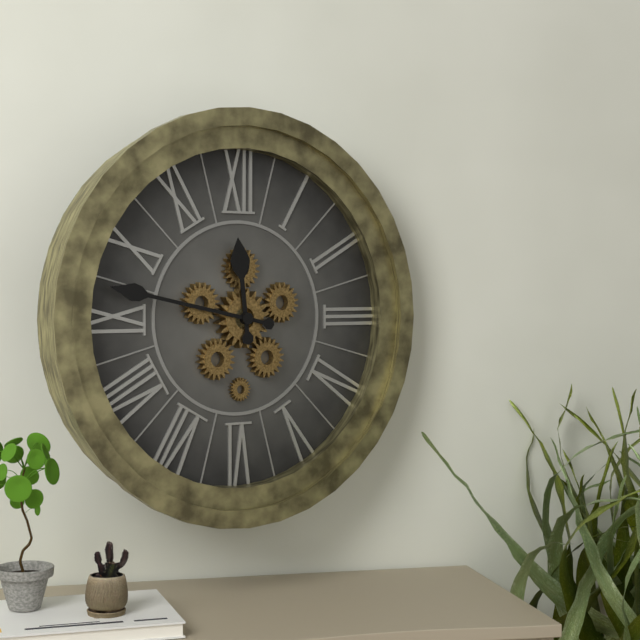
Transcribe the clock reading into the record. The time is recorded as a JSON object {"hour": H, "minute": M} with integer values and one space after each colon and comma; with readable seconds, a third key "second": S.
{"hour": 11, "minute": 47}
